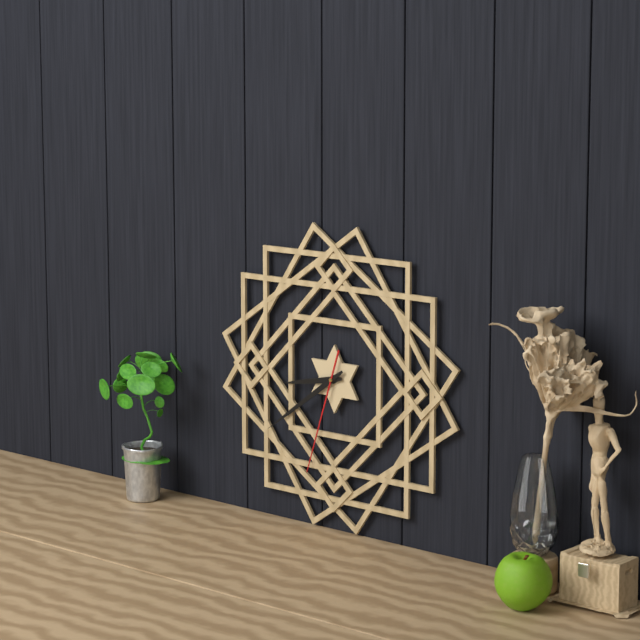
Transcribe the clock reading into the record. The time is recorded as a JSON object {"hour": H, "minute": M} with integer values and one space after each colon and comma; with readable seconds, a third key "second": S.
{"hour": 8, "minute": 39, "second": 33}
